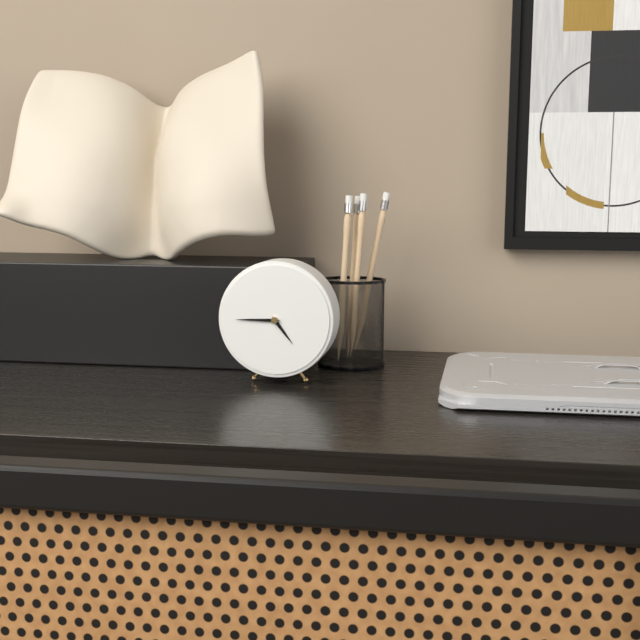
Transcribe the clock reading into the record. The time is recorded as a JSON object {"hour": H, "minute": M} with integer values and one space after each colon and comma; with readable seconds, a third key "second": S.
{"hour": 4, "minute": 45}
